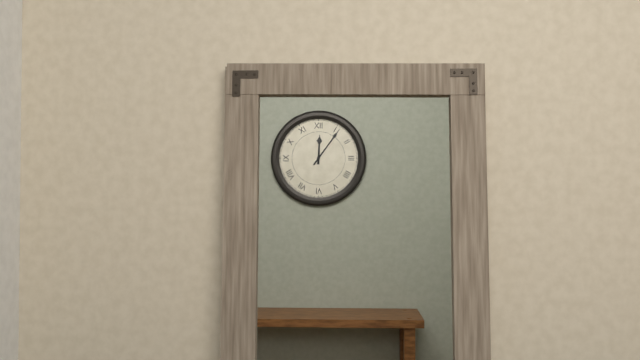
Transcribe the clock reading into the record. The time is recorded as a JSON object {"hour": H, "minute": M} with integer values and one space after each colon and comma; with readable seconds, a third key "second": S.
{"hour": 12, "minute": 6}
